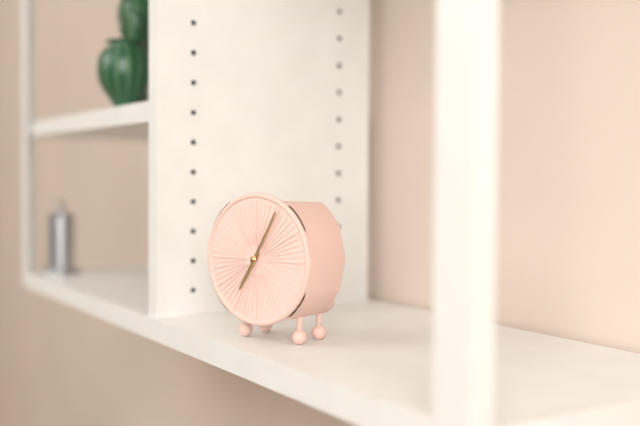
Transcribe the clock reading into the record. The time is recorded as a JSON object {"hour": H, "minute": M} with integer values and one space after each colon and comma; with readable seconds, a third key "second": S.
{"hour": 7, "minute": 5}
